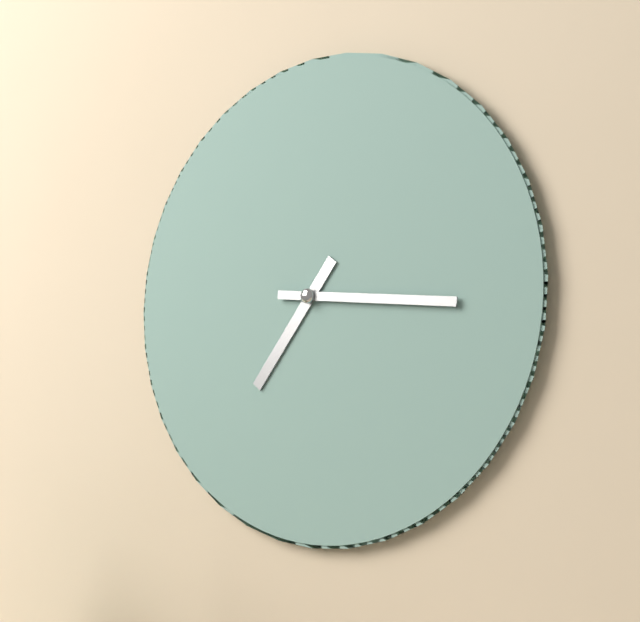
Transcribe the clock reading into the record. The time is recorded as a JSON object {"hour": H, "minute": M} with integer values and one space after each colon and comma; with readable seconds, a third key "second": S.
{"hour": 7, "minute": 16}
